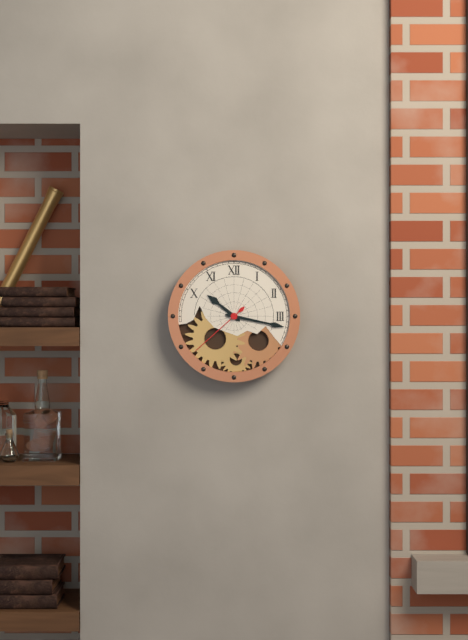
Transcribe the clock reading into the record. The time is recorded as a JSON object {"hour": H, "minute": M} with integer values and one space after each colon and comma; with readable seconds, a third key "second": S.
{"hour": 10, "minute": 17, "second": 38}
